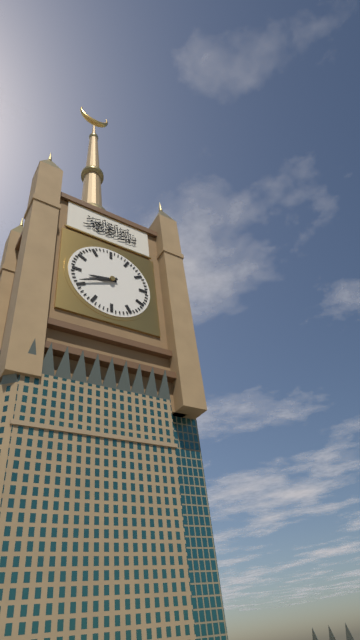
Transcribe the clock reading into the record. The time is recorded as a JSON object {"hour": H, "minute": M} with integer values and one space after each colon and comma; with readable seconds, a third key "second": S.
{"hour": 8, "minute": 41}
